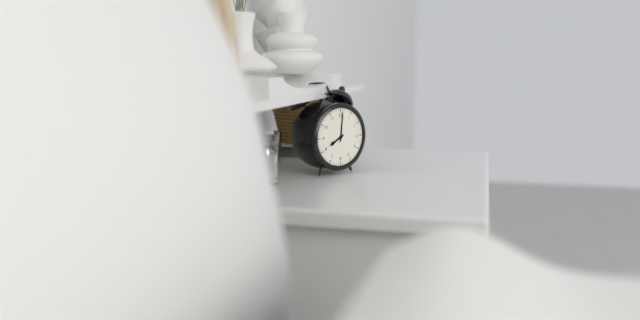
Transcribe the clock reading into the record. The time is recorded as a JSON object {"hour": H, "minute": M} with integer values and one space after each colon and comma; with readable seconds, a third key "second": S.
{"hour": 8, "minute": 1}
